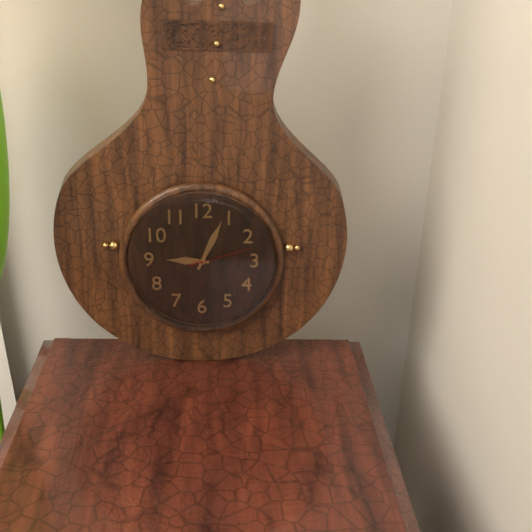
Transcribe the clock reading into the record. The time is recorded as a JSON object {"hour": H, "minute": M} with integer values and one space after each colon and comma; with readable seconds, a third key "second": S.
{"hour": 9, "minute": 4, "second": 12}
